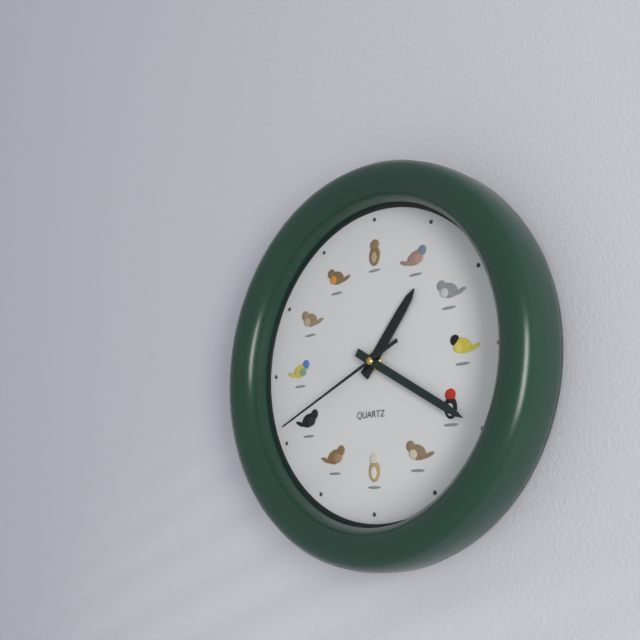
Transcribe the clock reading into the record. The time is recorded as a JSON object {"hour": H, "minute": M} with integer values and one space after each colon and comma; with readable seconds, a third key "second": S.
{"hour": 1, "minute": 20, "second": 41}
